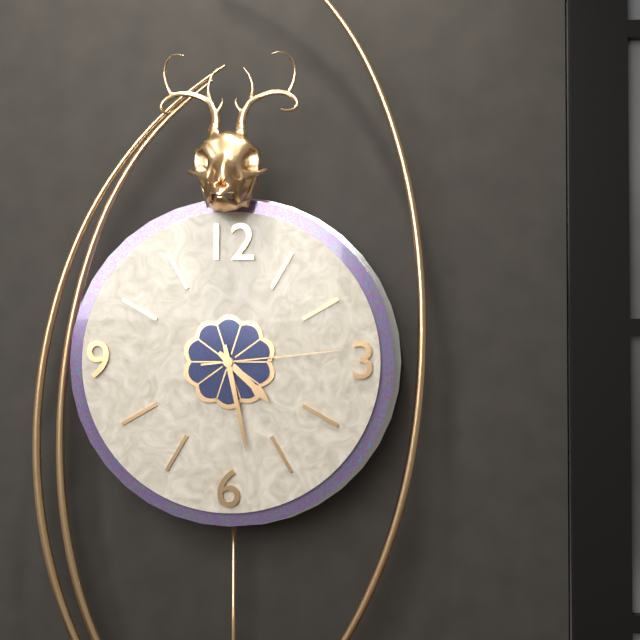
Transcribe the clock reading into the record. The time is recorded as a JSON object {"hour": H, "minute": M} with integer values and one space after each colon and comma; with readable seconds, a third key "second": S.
{"hour": 4, "minute": 28, "second": 14}
